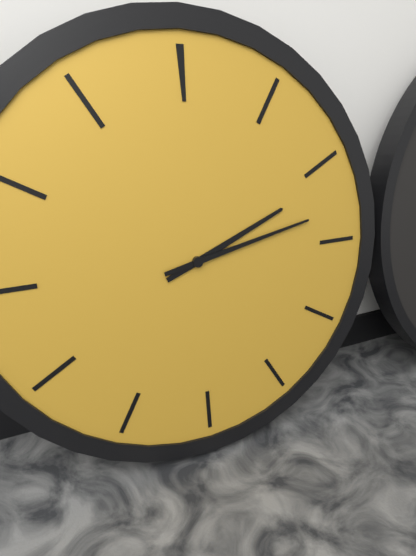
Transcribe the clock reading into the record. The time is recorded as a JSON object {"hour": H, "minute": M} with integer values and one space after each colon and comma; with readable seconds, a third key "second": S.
{"hour": 2, "minute": 13}
